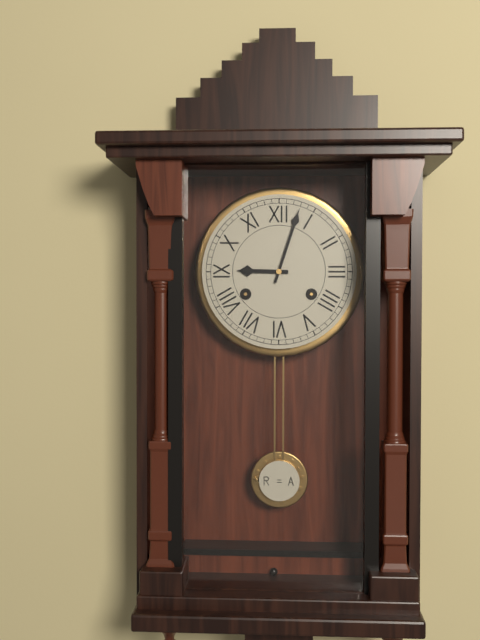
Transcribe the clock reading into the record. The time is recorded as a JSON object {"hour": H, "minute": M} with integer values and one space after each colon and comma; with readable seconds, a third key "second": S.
{"hour": 9, "minute": 3}
